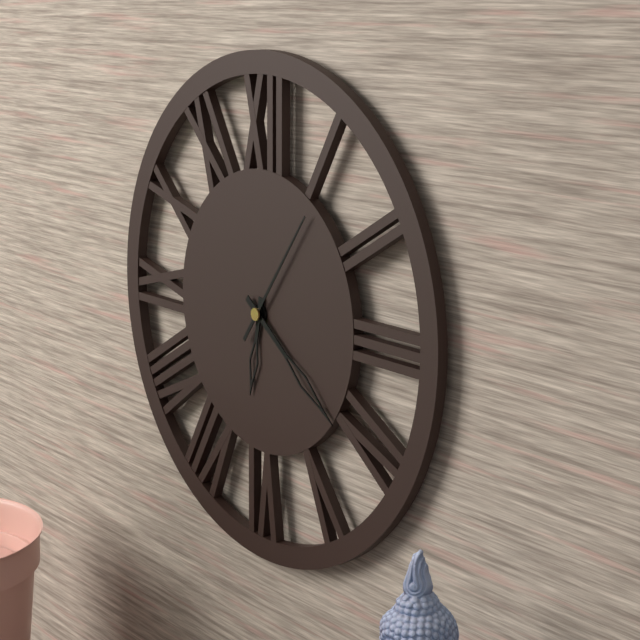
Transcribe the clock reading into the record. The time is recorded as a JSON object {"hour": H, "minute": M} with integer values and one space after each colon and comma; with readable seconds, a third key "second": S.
{"hour": 6, "minute": 21, "second": 6}
